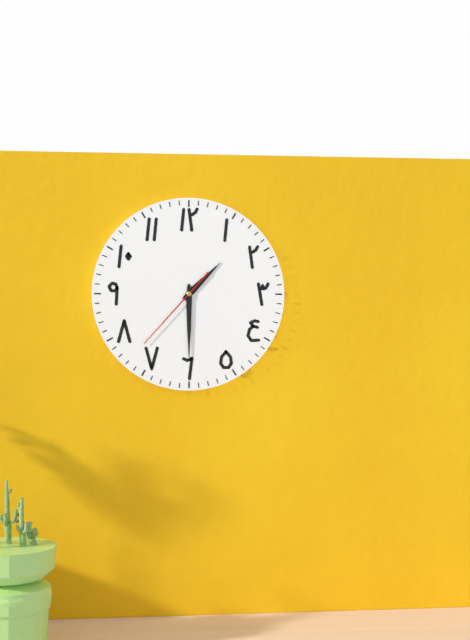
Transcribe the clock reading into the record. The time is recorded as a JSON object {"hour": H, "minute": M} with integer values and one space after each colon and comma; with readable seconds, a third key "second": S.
{"hour": 1, "minute": 30, "second": 37}
